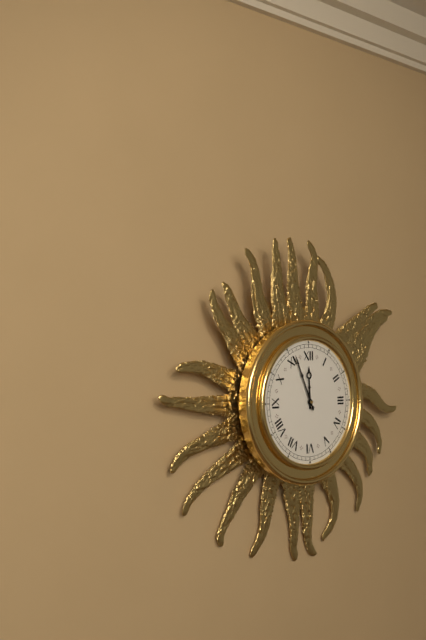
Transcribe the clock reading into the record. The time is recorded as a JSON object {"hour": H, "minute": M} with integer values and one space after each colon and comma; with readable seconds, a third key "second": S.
{"hour": 11, "minute": 56}
